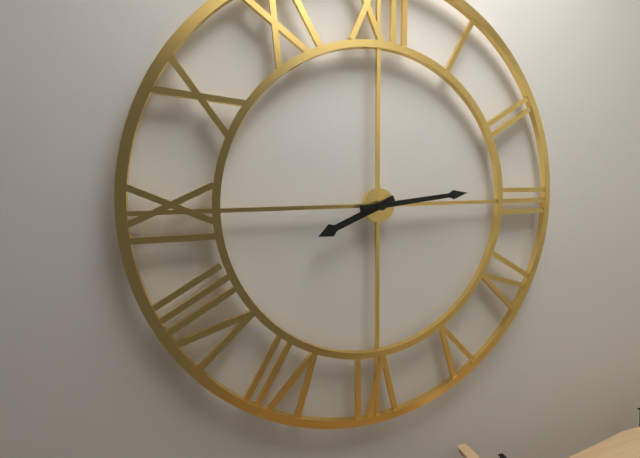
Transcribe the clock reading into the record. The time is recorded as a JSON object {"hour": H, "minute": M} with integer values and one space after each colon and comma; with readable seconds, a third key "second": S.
{"hour": 8, "minute": 14}
